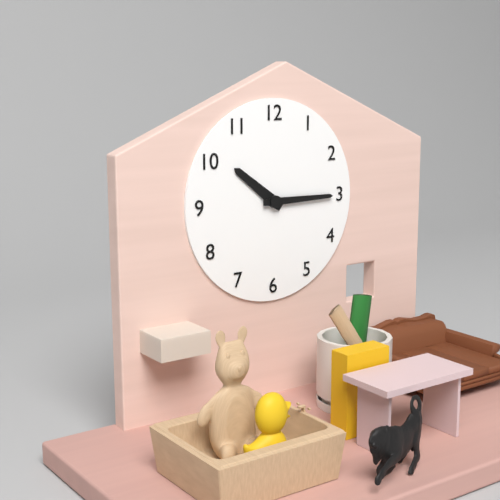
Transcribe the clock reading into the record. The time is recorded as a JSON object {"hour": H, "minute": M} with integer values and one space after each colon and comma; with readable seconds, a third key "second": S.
{"hour": 10, "minute": 15}
